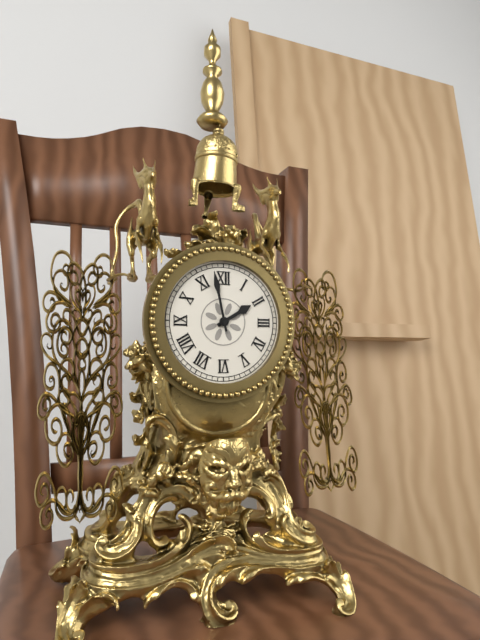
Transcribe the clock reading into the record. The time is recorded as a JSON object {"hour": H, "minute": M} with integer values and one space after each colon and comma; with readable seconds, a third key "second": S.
{"hour": 1, "minute": 58}
